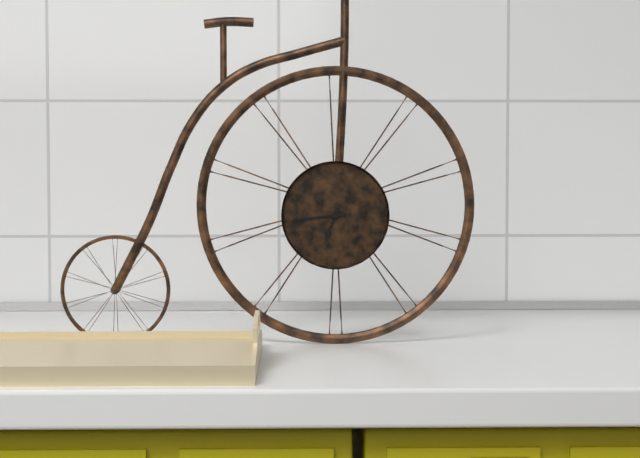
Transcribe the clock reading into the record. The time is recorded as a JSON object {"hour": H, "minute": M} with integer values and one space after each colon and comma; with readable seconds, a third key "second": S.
{"hour": 6, "minute": 44}
